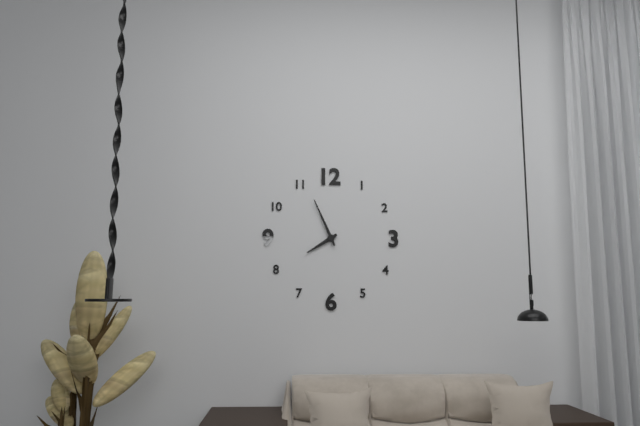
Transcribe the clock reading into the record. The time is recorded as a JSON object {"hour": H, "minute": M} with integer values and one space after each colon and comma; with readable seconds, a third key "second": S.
{"hour": 7, "minute": 56}
